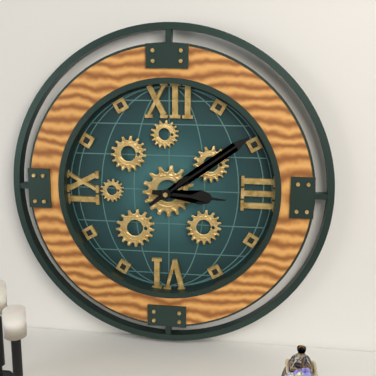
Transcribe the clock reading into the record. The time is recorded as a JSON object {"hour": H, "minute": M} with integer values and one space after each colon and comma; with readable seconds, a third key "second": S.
{"hour": 3, "minute": 9}
